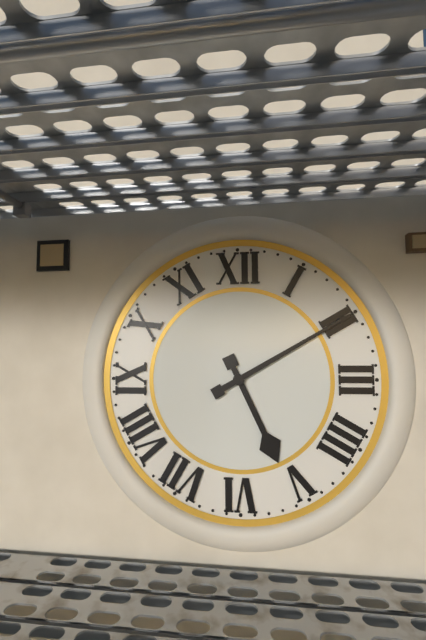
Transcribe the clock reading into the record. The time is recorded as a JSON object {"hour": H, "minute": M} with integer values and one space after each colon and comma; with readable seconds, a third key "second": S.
{"hour": 5, "minute": 10}
